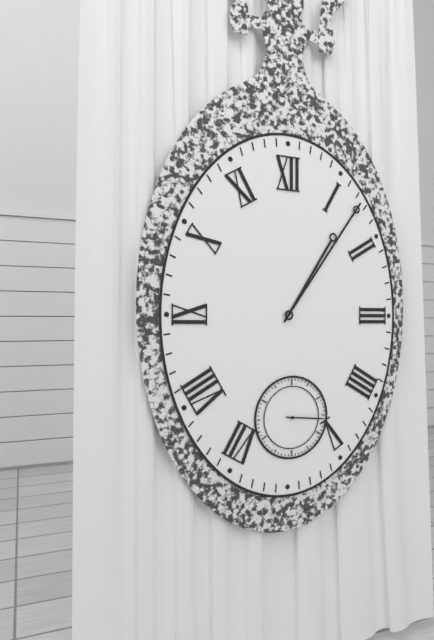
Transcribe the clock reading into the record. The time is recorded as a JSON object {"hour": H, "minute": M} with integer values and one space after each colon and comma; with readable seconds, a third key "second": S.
{"hour": 1, "minute": 6}
